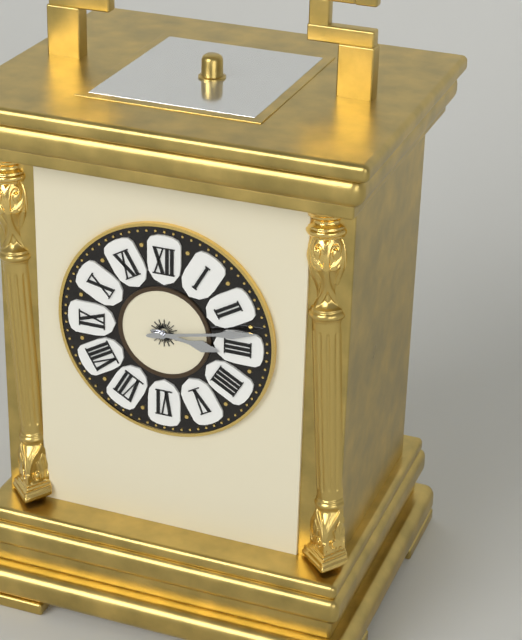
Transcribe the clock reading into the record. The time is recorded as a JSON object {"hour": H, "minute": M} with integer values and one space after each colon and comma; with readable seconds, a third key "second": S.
{"hour": 3, "minute": 13}
